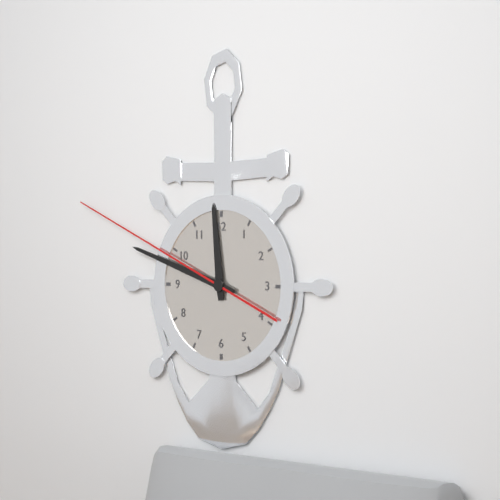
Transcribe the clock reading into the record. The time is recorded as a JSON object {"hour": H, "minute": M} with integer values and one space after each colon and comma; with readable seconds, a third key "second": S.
{"hour": 11, "minute": 48, "second": 49}
